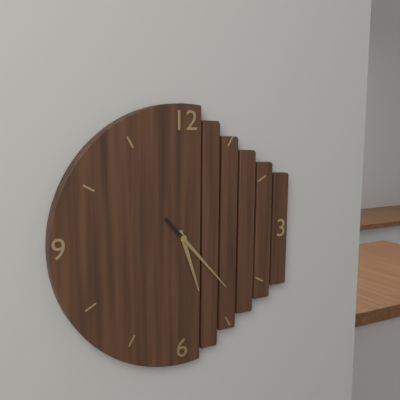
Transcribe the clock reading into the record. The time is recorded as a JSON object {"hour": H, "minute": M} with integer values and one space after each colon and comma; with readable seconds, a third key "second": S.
{"hour": 5, "minute": 23}
